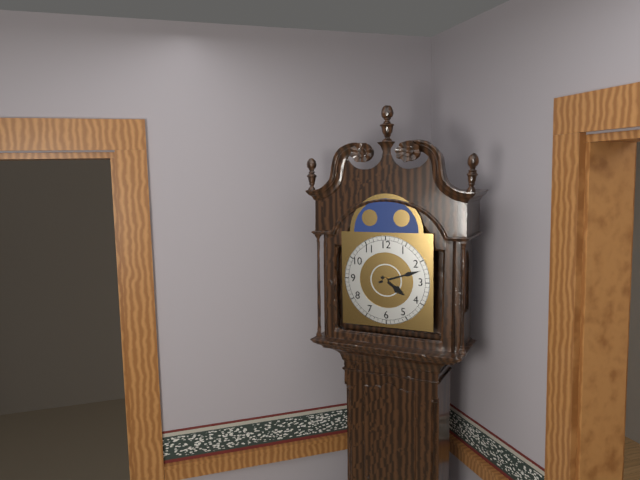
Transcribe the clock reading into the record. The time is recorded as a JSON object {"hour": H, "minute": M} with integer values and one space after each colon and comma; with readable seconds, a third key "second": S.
{"hour": 4, "minute": 12}
